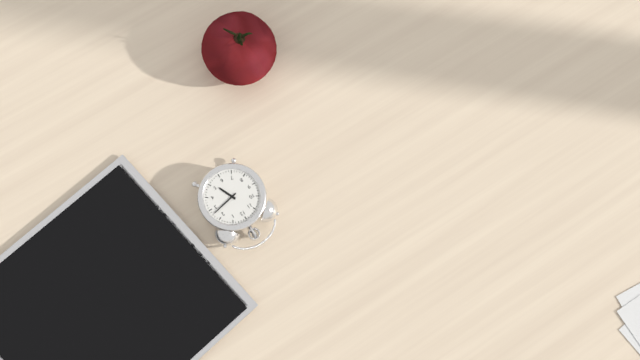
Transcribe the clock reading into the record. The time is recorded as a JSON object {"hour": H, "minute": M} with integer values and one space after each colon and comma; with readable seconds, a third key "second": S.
{"hour": 5, "minute": 13}
